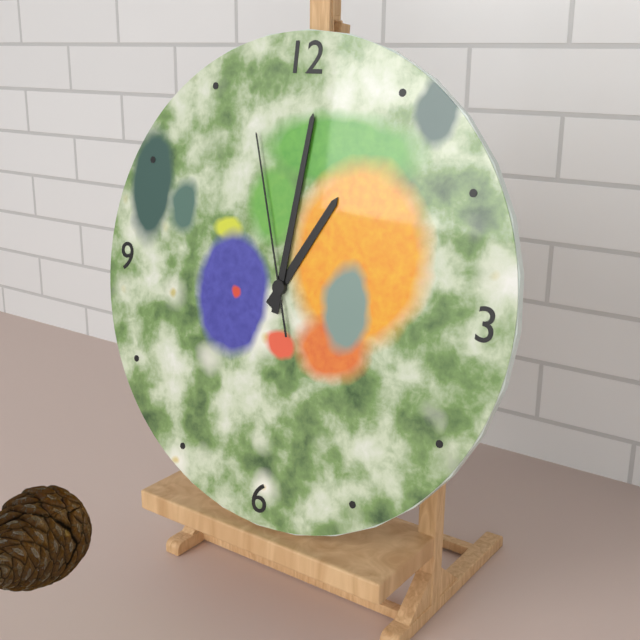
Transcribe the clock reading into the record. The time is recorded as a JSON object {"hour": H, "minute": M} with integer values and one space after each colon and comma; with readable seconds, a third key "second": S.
{"hour": 1, "minute": 1, "second": 57}
